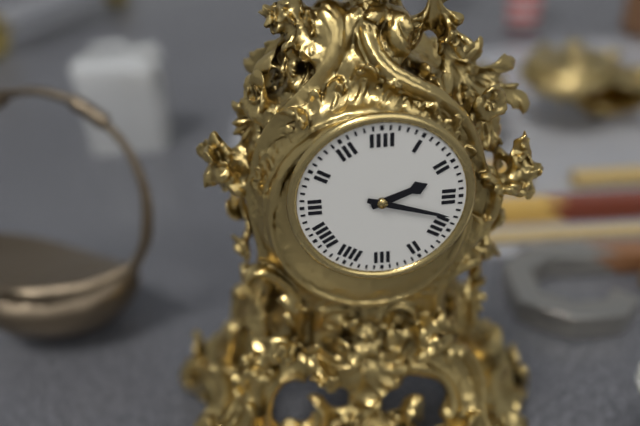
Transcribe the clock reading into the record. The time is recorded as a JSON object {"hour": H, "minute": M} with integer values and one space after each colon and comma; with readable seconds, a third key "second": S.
{"hour": 2, "minute": 18}
